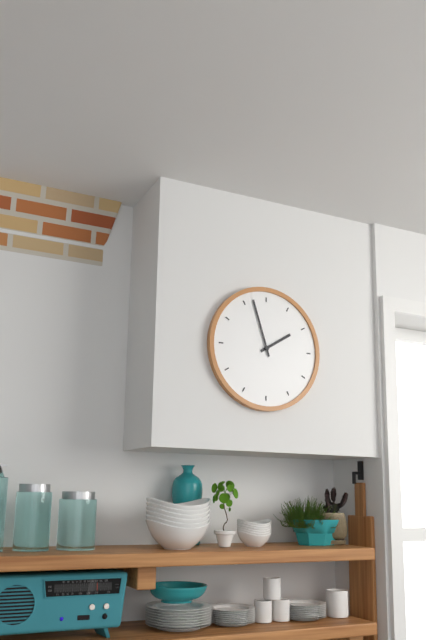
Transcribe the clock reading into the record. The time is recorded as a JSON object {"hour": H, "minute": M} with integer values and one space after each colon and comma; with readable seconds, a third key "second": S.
{"hour": 1, "minute": 57}
